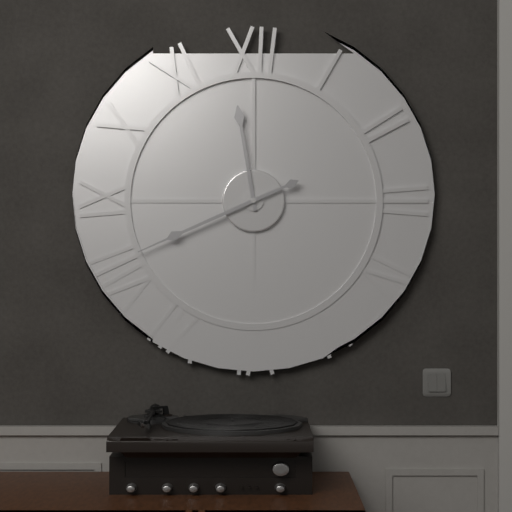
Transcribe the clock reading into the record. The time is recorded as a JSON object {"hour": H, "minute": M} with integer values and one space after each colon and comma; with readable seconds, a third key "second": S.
{"hour": 11, "minute": 41}
